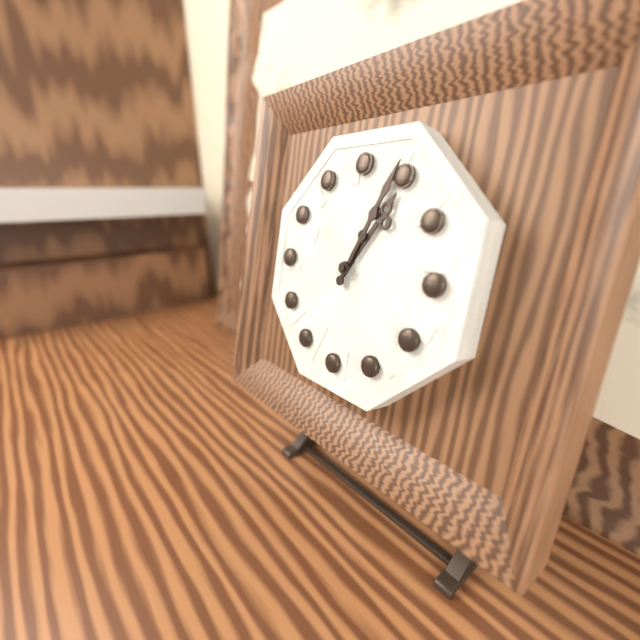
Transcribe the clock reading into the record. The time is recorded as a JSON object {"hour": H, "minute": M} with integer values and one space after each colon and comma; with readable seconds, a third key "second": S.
{"hour": 1, "minute": 4}
